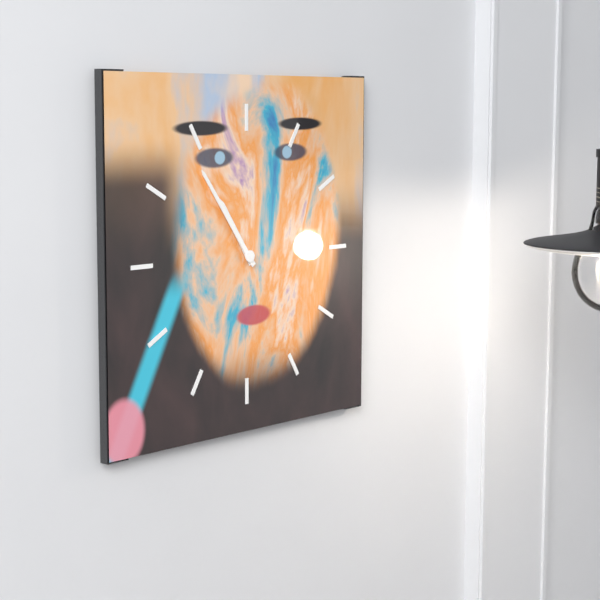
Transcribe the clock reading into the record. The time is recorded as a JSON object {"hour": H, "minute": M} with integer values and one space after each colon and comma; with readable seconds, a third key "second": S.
{"hour": 10, "minute": 54}
